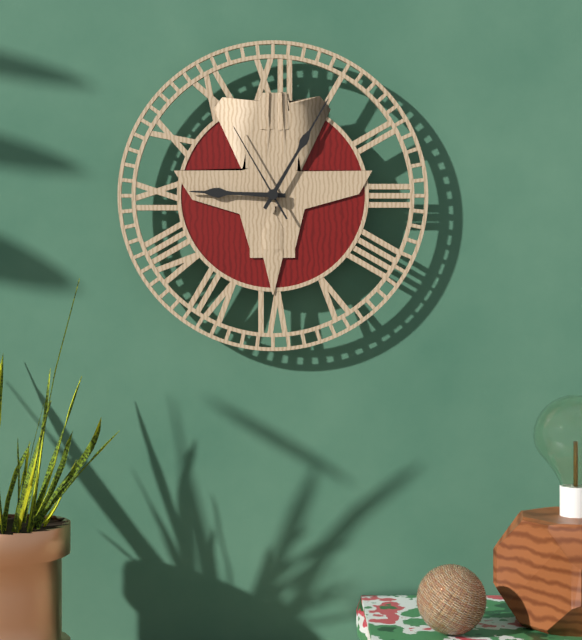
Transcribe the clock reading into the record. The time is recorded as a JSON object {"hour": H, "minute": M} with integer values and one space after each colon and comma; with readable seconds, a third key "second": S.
{"hour": 9, "minute": 5, "second": 55}
